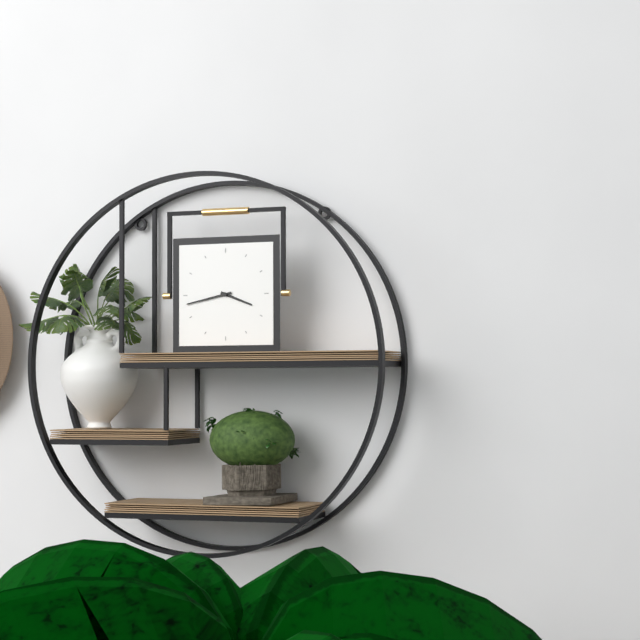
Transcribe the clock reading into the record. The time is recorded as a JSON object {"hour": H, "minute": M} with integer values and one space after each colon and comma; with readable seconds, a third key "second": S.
{"hour": 3, "minute": 43}
